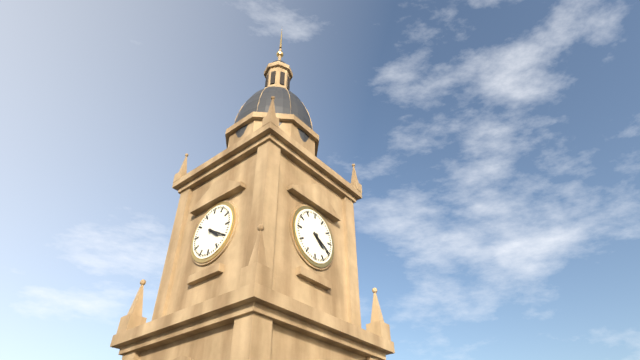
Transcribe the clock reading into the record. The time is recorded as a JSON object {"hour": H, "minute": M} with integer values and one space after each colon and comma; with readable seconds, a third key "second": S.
{"hour": 4, "minute": 20}
